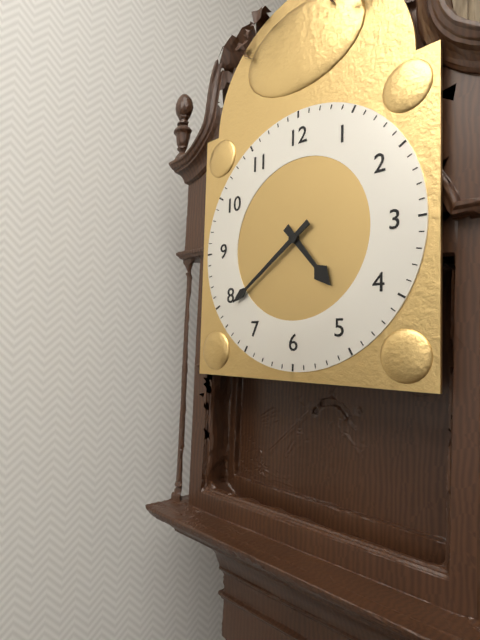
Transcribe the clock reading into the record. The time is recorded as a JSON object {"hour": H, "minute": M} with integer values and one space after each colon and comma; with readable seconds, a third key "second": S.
{"hour": 4, "minute": 39}
